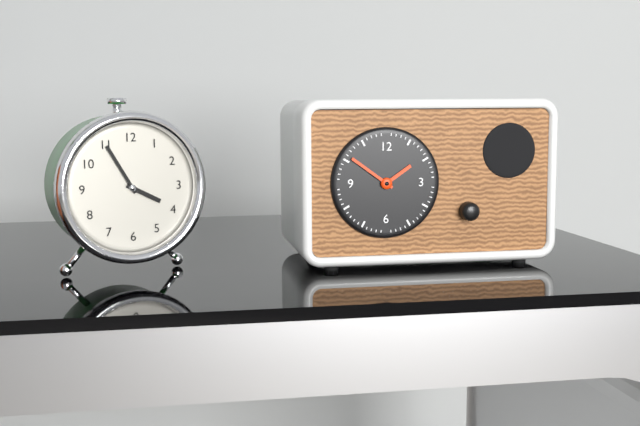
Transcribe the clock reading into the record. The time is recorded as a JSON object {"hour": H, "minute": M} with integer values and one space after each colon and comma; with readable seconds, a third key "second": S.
{"hour": 1, "minute": 51}
